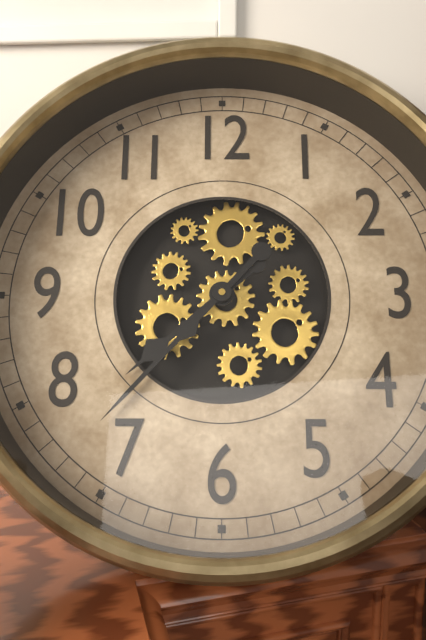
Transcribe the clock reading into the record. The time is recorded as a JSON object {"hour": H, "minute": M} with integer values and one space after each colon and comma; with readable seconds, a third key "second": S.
{"hour": 7, "minute": 37}
